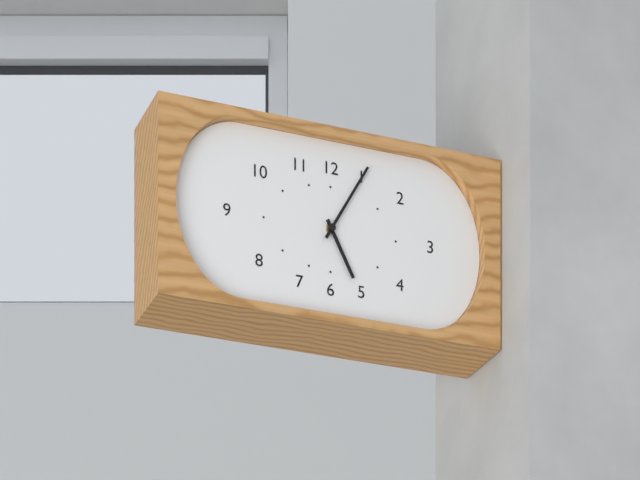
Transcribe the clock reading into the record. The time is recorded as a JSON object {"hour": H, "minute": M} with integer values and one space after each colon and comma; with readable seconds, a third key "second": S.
{"hour": 5, "minute": 5}
